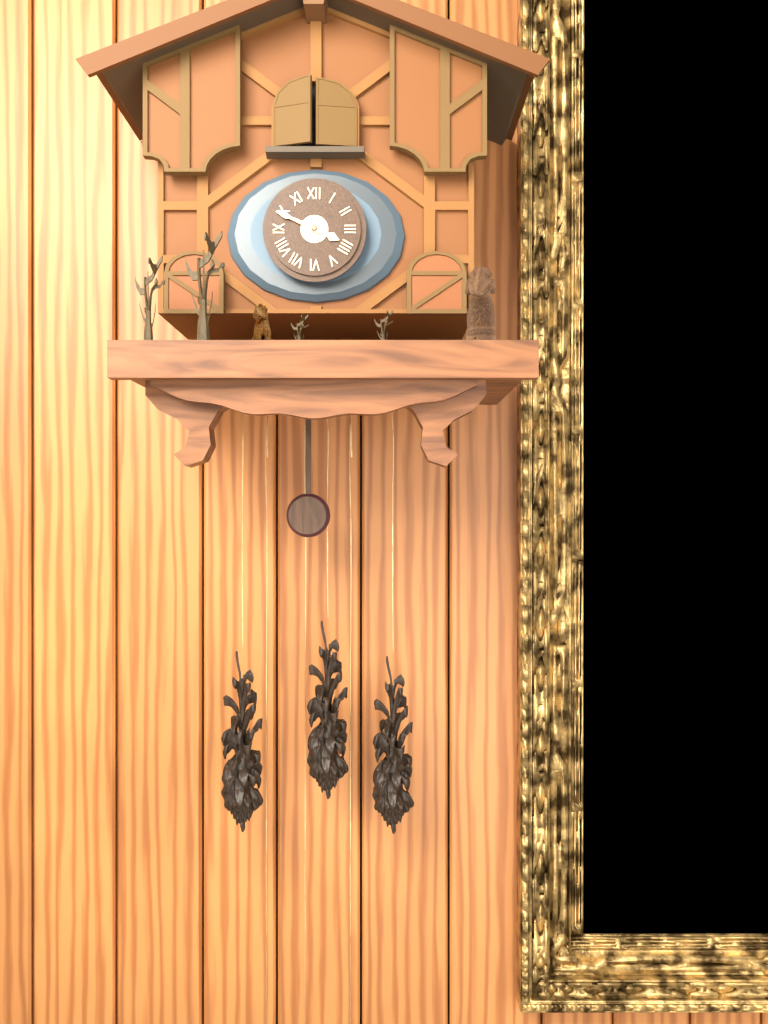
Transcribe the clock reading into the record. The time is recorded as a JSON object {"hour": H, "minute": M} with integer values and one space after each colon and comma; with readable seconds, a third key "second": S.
{"hour": 3, "minute": 49}
